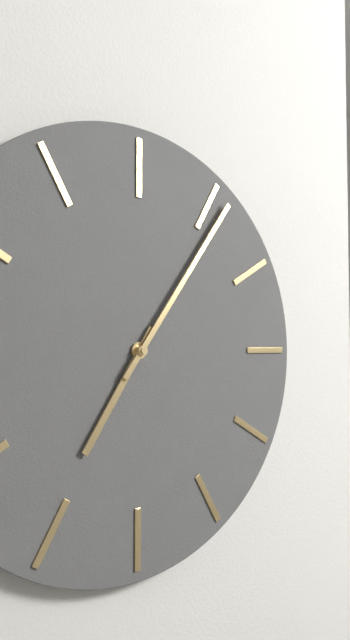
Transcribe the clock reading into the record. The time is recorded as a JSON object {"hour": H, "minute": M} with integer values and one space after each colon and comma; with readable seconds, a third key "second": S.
{"hour": 7, "minute": 6}
